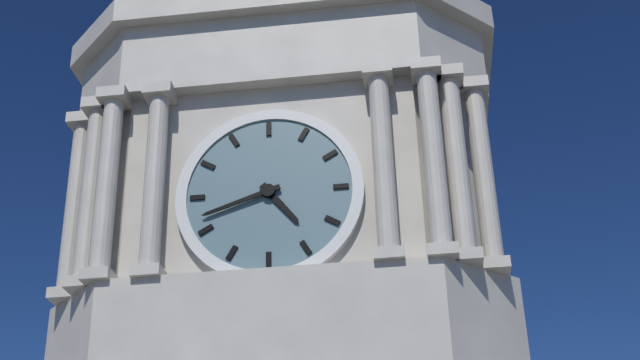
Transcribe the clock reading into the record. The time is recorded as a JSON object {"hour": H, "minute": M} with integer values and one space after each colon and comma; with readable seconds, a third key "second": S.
{"hour": 4, "minute": 42}
